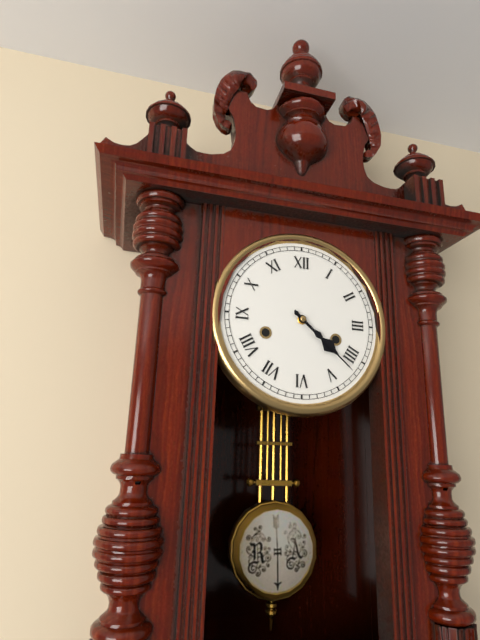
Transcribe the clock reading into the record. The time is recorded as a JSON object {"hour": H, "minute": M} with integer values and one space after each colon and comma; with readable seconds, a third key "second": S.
{"hour": 4, "minute": 22}
